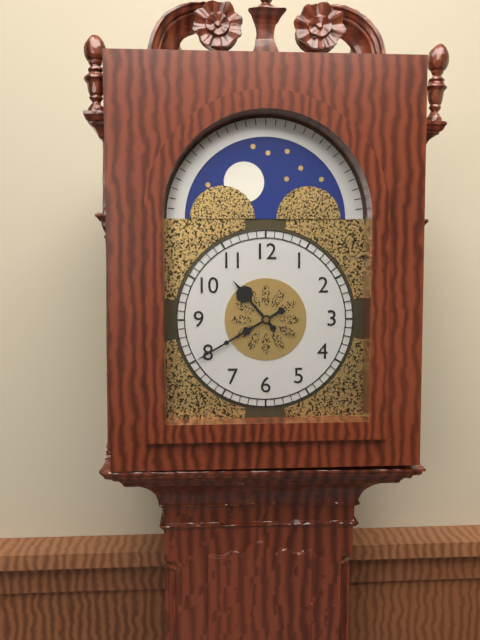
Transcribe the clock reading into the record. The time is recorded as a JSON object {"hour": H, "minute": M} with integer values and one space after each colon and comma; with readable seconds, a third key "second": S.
{"hour": 10, "minute": 40}
